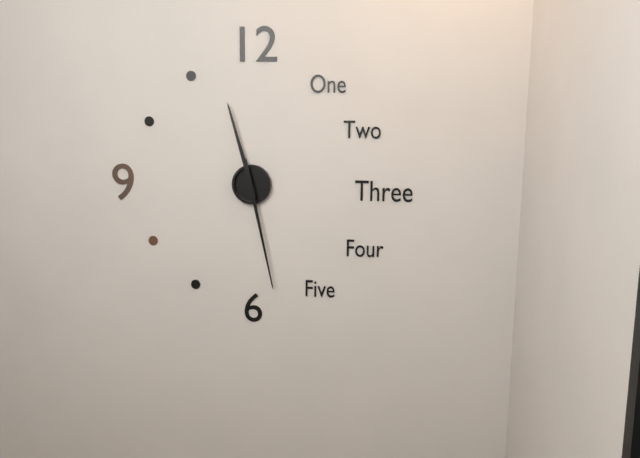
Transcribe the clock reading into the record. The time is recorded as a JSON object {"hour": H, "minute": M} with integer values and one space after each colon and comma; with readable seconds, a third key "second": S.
{"hour": 11, "minute": 28}
